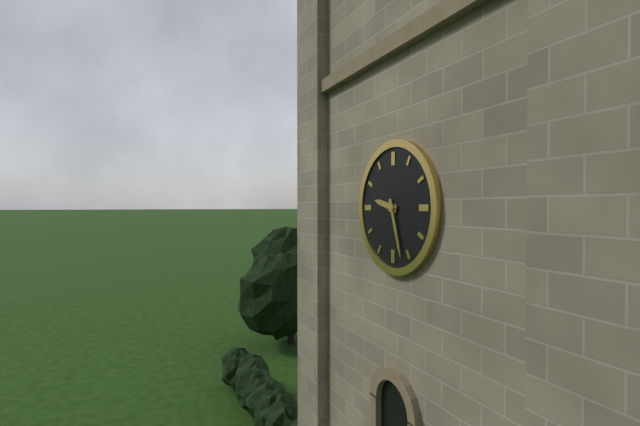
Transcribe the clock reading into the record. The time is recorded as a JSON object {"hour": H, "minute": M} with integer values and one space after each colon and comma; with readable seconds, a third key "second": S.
{"hour": 9, "minute": 27}
